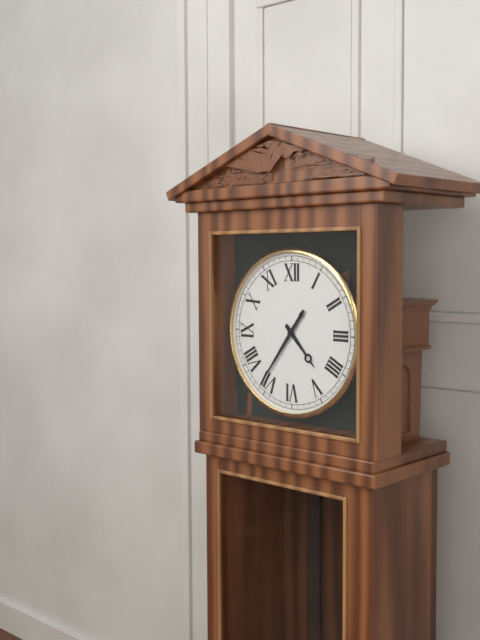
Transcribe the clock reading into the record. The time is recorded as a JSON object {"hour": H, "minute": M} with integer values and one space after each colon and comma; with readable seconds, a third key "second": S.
{"hour": 4, "minute": 36}
